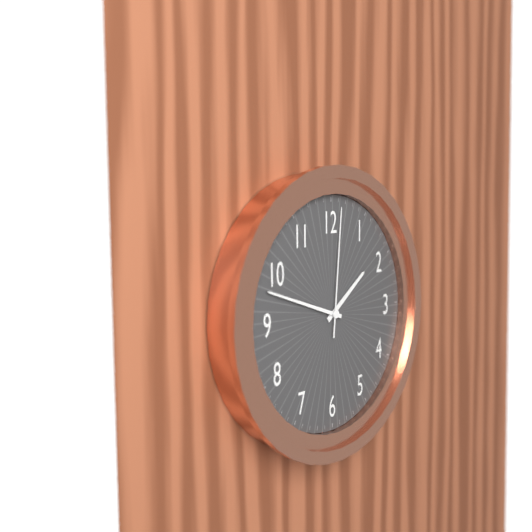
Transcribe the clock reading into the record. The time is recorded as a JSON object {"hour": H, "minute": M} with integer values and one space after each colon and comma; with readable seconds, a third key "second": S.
{"hour": 1, "minute": 48, "second": 1}
